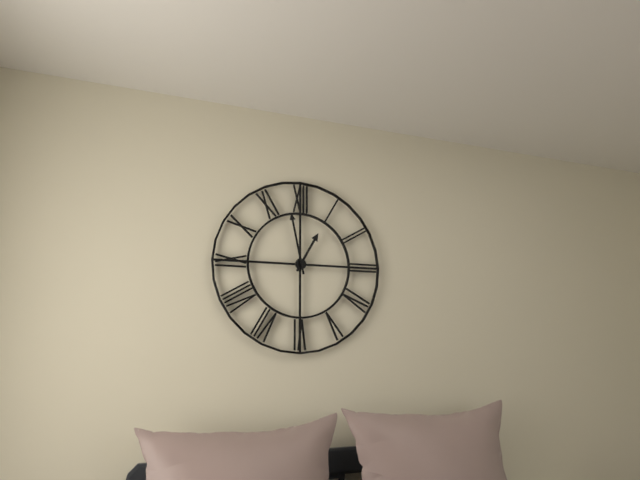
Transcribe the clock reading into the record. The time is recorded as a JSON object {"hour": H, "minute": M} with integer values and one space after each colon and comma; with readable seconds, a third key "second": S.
{"hour": 12, "minute": 58}
